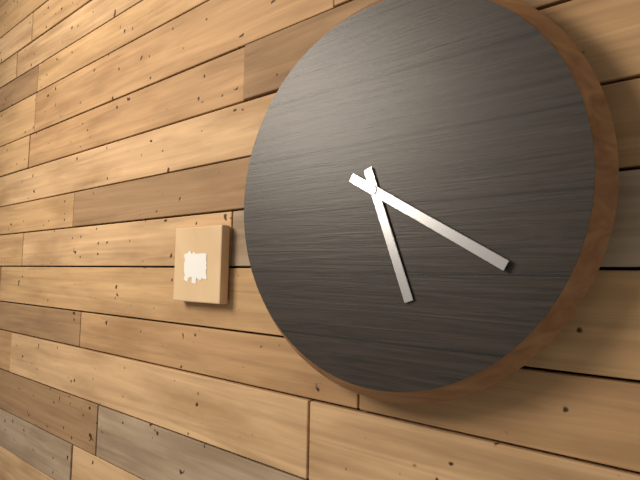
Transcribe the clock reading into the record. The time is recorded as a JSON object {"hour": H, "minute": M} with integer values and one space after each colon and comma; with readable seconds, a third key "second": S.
{"hour": 5, "minute": 20}
